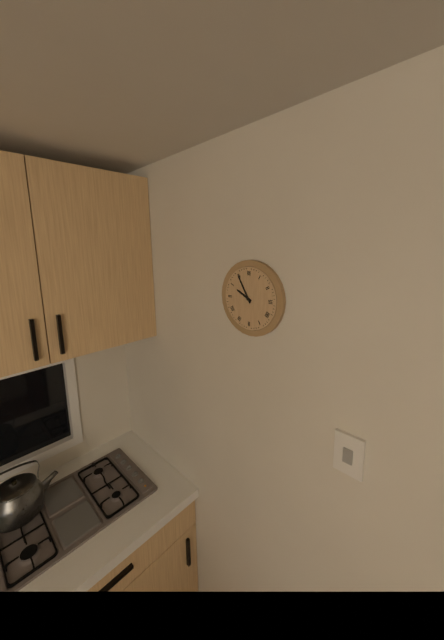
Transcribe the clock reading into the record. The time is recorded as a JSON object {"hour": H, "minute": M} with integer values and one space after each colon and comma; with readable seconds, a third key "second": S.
{"hour": 9, "minute": 55}
